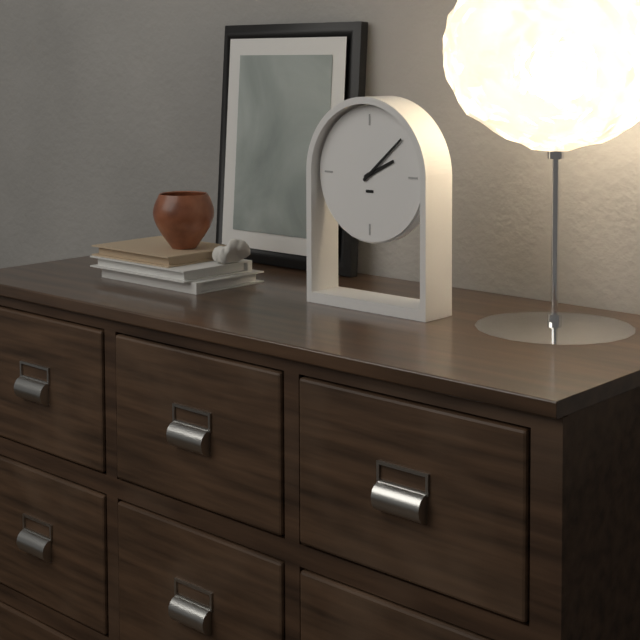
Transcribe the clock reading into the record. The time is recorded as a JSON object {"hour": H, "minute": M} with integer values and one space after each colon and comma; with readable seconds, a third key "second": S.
{"hour": 2, "minute": 8}
